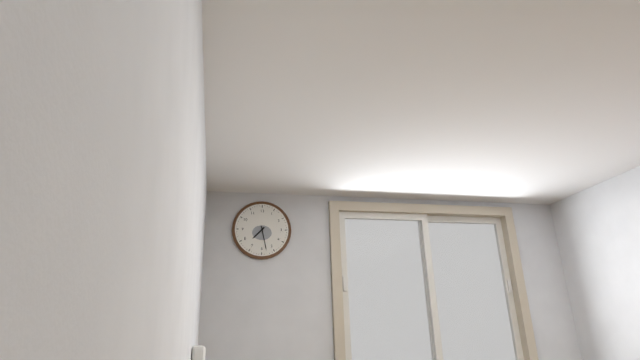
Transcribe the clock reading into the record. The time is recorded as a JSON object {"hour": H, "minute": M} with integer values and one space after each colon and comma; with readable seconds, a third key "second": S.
{"hour": 7, "minute": 28}
